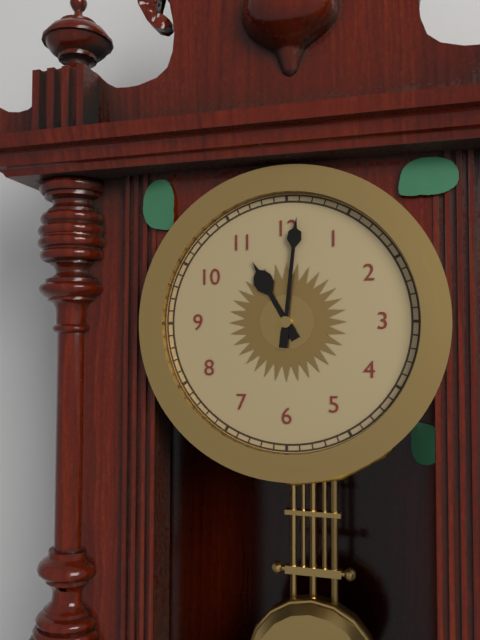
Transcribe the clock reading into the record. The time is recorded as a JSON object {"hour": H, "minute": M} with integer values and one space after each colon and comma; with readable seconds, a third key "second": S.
{"hour": 11, "minute": 1}
